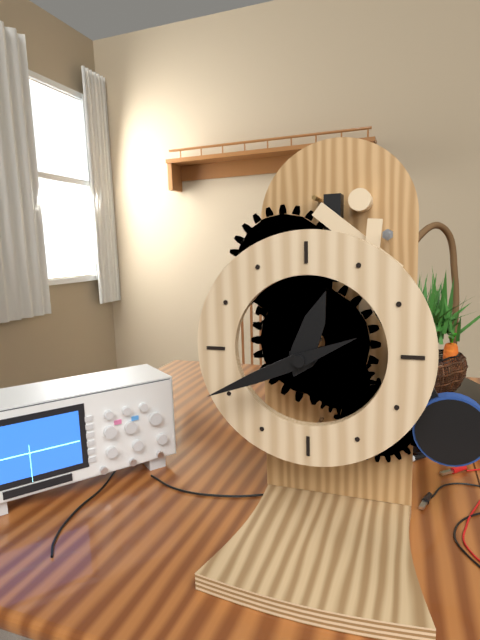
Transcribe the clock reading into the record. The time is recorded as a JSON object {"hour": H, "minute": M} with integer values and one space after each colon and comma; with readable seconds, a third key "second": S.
{"hour": 12, "minute": 41}
